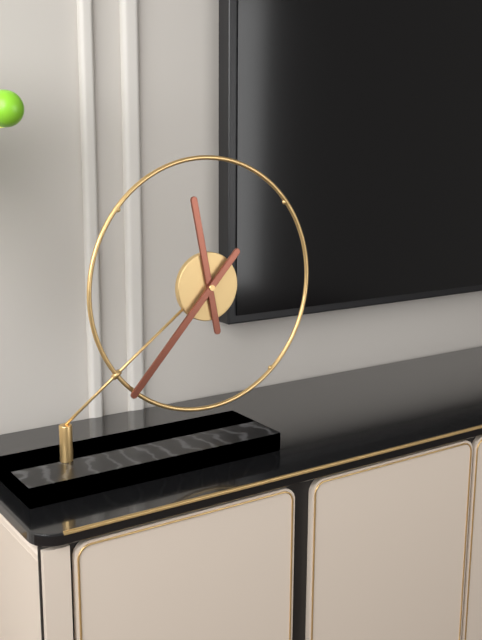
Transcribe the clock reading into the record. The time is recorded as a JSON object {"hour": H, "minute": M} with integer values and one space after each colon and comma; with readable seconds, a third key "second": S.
{"hour": 11, "minute": 37}
